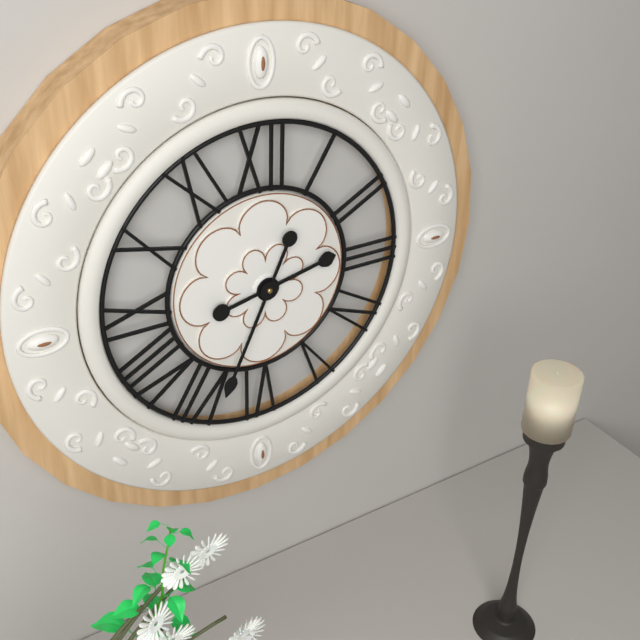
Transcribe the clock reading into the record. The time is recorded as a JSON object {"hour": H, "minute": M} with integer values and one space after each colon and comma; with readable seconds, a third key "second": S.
{"hour": 2, "minute": 34}
